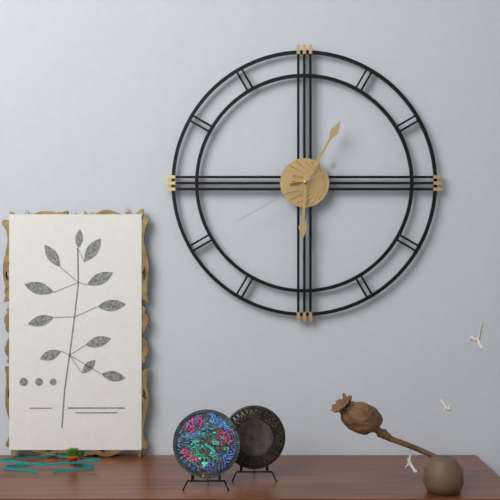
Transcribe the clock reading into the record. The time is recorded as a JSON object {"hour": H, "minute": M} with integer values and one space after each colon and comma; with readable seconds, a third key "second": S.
{"hour": 6, "minute": 5, "second": 40}
